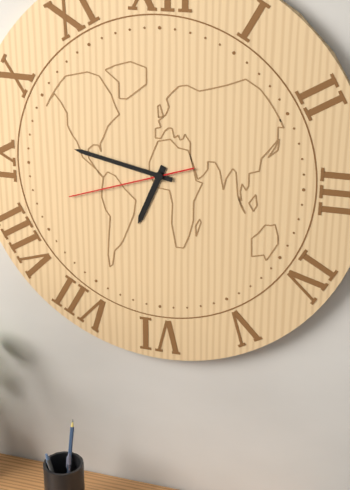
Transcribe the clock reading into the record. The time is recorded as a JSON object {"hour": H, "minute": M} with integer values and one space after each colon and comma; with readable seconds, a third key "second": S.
{"hour": 6, "minute": 47, "second": 42}
